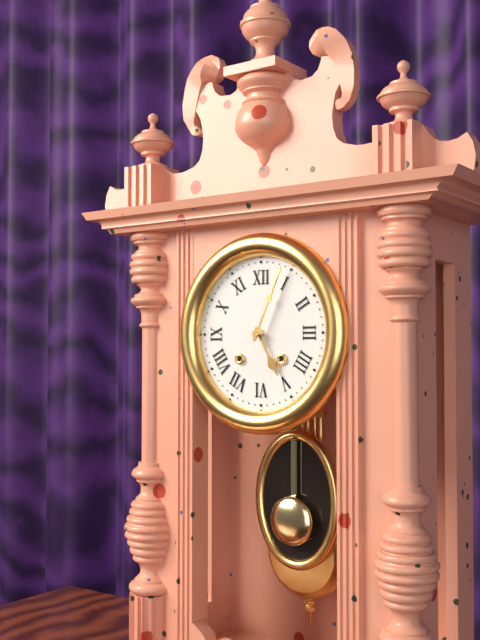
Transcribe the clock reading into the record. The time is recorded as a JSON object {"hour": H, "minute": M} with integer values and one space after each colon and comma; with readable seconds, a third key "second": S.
{"hour": 5, "minute": 4}
